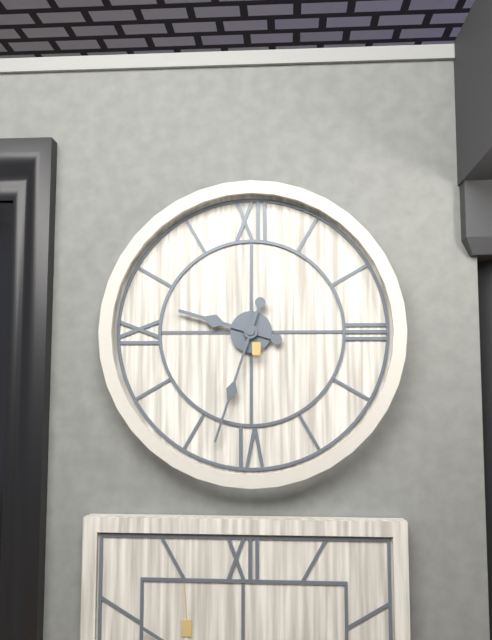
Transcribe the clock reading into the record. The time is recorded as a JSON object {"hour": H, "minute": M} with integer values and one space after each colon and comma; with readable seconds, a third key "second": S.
{"hour": 9, "minute": 33}
